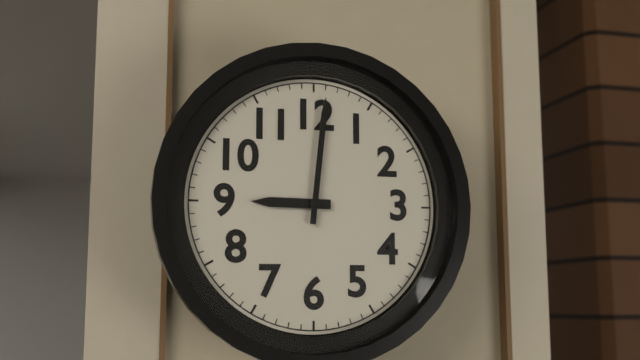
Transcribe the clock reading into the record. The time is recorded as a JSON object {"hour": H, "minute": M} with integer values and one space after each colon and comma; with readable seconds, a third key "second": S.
{"hour": 9, "minute": 1}
